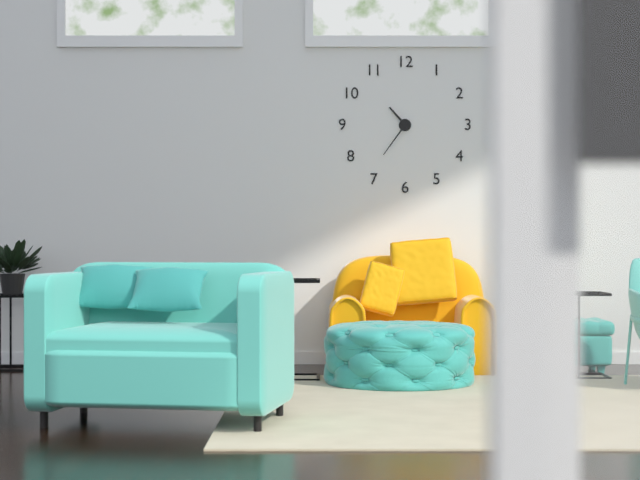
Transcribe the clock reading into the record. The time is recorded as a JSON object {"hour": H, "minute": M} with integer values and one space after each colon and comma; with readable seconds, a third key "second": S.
{"hour": 10, "minute": 36}
